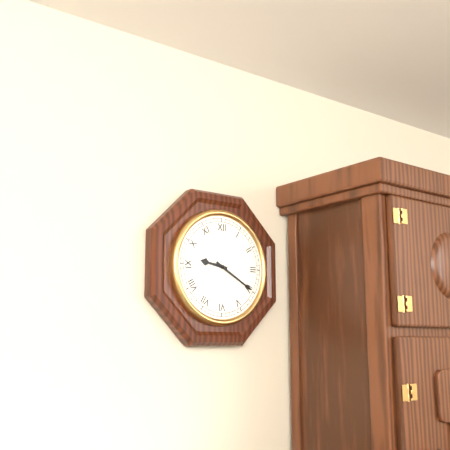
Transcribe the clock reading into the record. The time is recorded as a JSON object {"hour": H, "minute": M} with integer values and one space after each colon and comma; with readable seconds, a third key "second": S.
{"hour": 9, "minute": 20}
